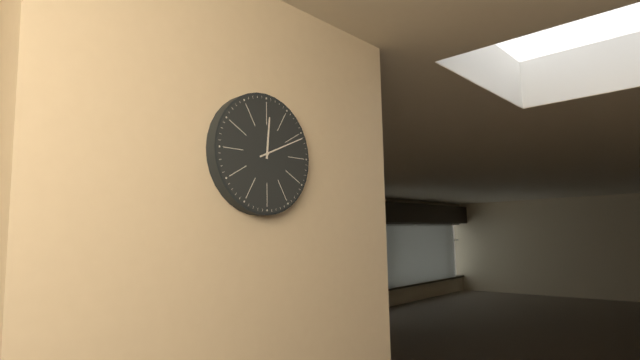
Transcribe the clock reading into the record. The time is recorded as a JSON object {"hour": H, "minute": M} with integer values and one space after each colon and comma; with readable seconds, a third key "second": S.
{"hour": 12, "minute": 11}
